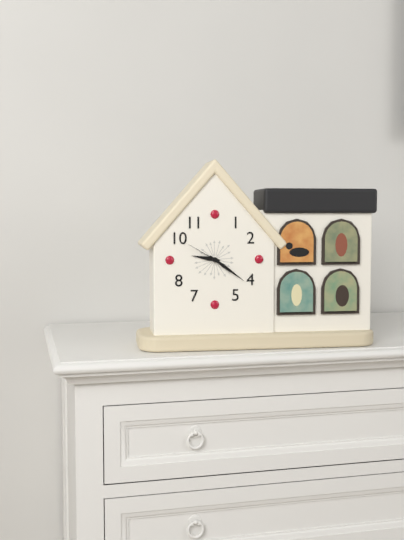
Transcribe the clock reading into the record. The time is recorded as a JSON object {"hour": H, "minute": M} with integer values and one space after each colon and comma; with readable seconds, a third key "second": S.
{"hour": 9, "minute": 21}
